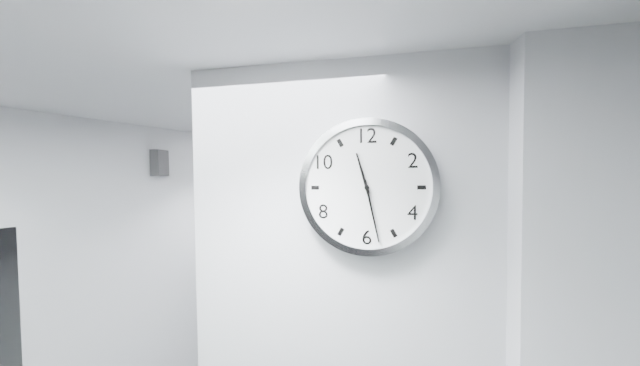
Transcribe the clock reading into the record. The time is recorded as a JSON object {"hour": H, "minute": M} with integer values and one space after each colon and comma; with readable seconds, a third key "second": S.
{"hour": 11, "minute": 28}
